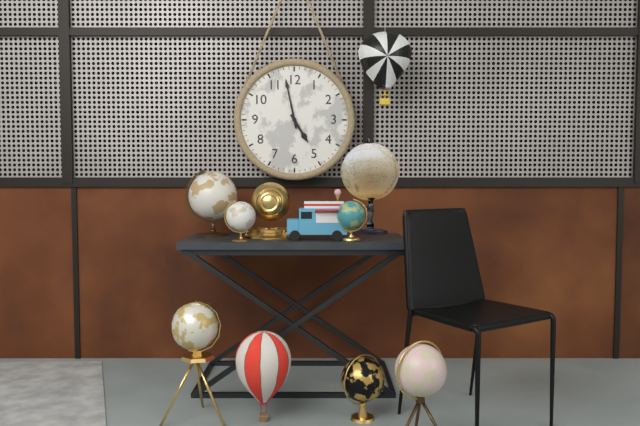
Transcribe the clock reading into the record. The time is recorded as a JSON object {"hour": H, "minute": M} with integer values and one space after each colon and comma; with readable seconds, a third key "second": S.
{"hour": 4, "minute": 58}
